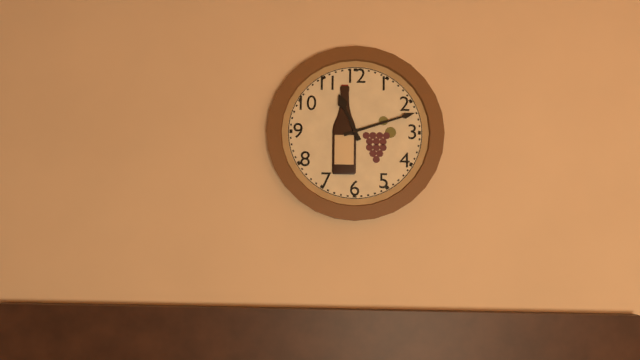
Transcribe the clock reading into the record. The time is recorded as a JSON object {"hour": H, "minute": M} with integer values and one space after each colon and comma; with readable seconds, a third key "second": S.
{"hour": 11, "minute": 12}
